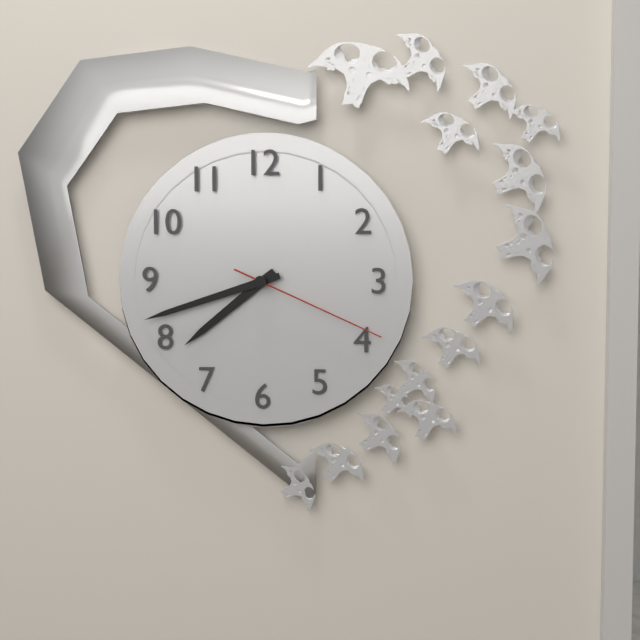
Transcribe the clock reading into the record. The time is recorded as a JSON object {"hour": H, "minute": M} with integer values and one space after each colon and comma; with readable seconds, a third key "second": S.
{"hour": 7, "minute": 42, "second": 19}
